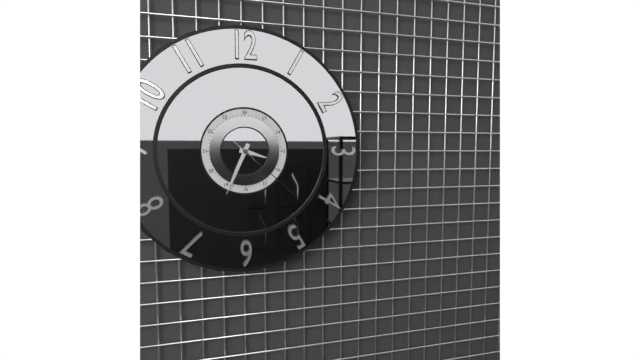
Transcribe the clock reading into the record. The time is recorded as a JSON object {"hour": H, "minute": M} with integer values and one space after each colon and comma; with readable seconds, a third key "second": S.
{"hour": 3, "minute": 34, "second": 22}
